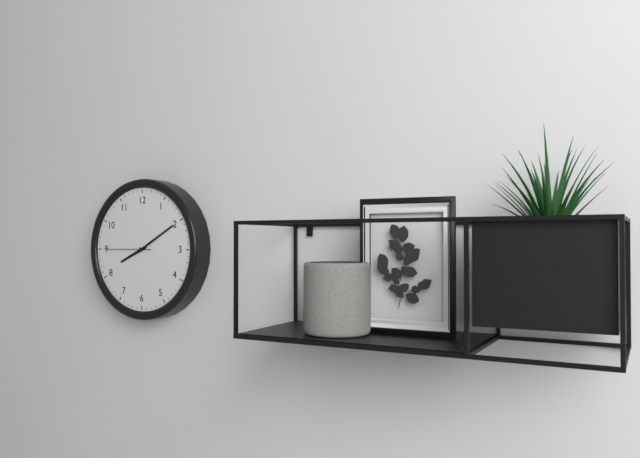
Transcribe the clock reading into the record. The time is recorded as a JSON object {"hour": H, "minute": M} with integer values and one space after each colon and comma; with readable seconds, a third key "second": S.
{"hour": 8, "minute": 10}
